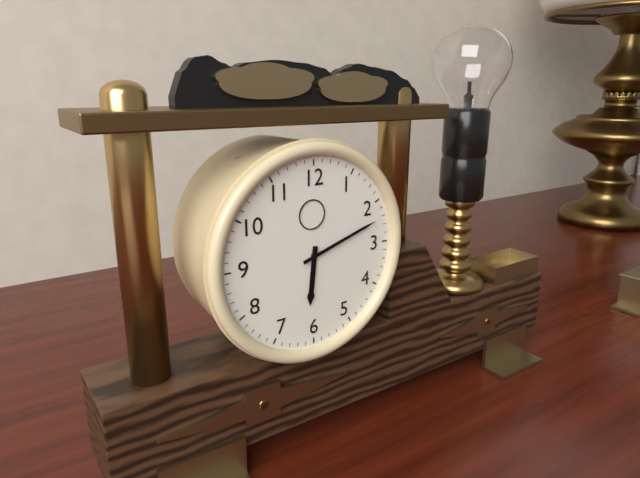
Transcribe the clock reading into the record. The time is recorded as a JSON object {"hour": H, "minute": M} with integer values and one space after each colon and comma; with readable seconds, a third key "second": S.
{"hour": 6, "minute": 12}
